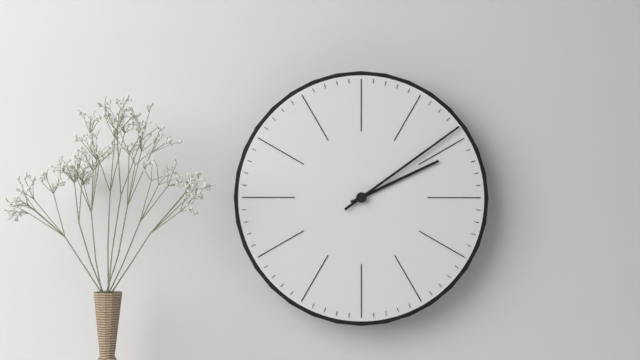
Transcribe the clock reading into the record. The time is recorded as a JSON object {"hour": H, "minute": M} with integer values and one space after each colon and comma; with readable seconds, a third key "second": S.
{"hour": 2, "minute": 9}
